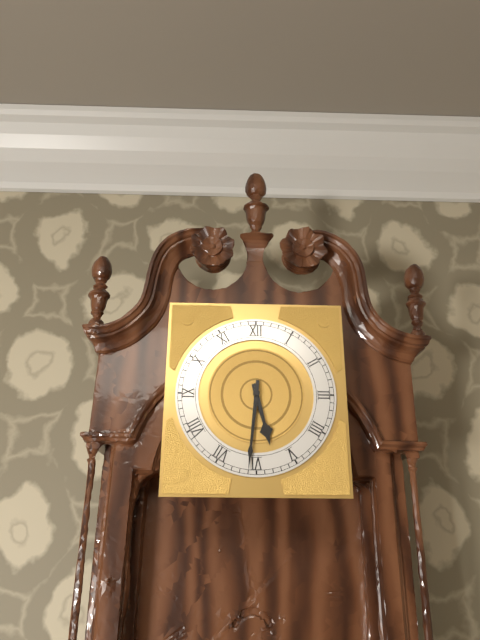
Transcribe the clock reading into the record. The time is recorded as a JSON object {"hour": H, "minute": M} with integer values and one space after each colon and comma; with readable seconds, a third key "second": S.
{"hour": 5, "minute": 31}
